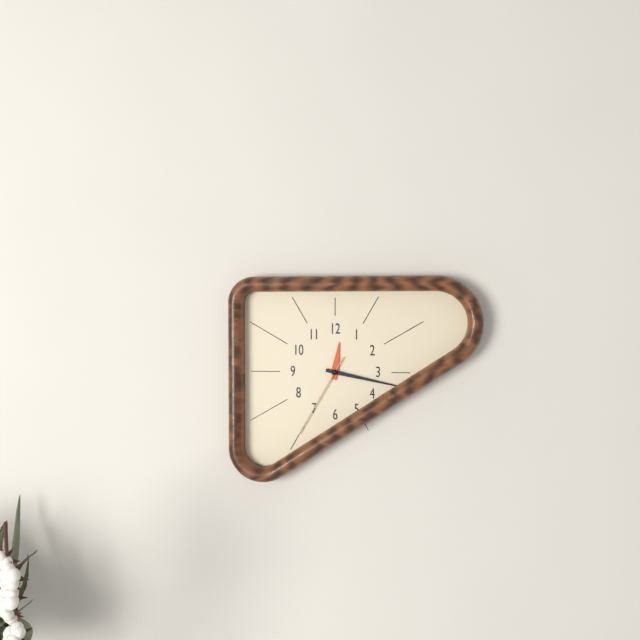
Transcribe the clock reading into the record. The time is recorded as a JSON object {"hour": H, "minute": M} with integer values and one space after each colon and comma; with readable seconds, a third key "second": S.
{"hour": 12, "minute": 17, "second": 35}
